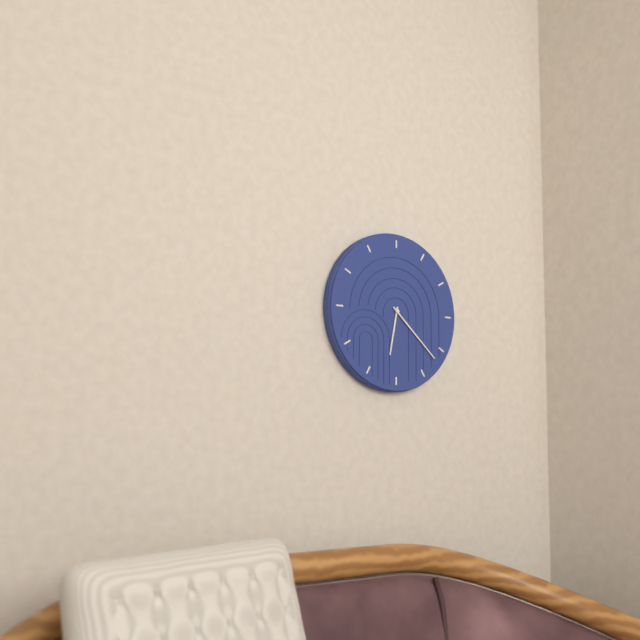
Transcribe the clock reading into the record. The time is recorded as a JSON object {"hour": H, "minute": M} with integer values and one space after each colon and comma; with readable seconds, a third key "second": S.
{"hour": 6, "minute": 22}
